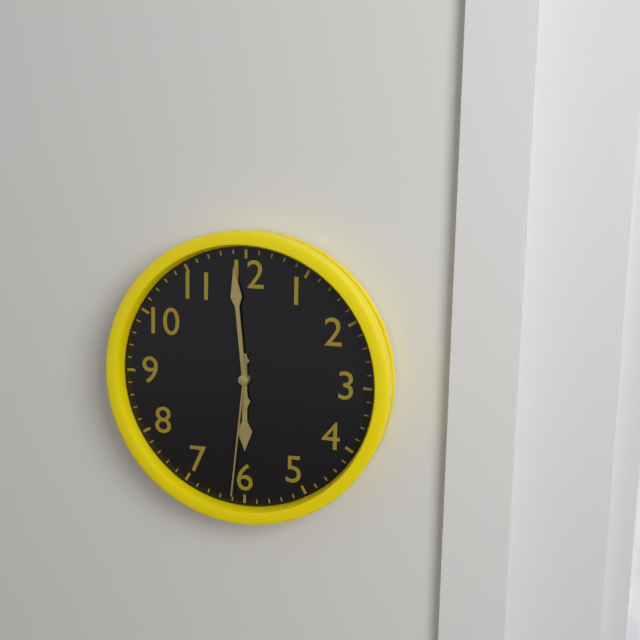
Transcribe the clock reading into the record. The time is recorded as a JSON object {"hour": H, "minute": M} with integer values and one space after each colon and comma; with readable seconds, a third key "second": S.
{"hour": 5, "minute": 59, "second": 31}
